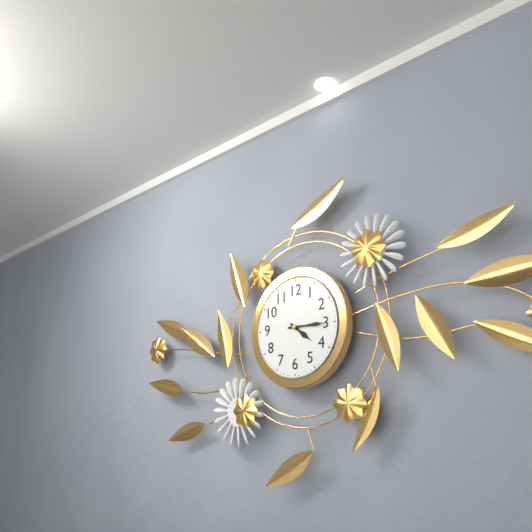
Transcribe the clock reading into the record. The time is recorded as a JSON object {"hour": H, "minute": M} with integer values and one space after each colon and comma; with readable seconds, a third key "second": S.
{"hour": 4, "minute": 15}
